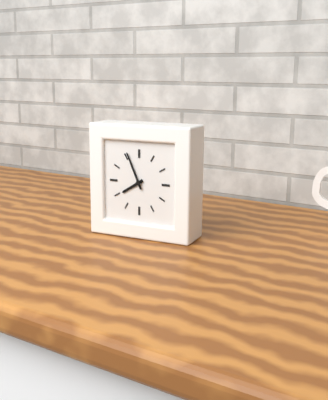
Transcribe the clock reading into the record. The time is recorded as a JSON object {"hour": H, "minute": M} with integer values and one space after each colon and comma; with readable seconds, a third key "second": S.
{"hour": 7, "minute": 56}
